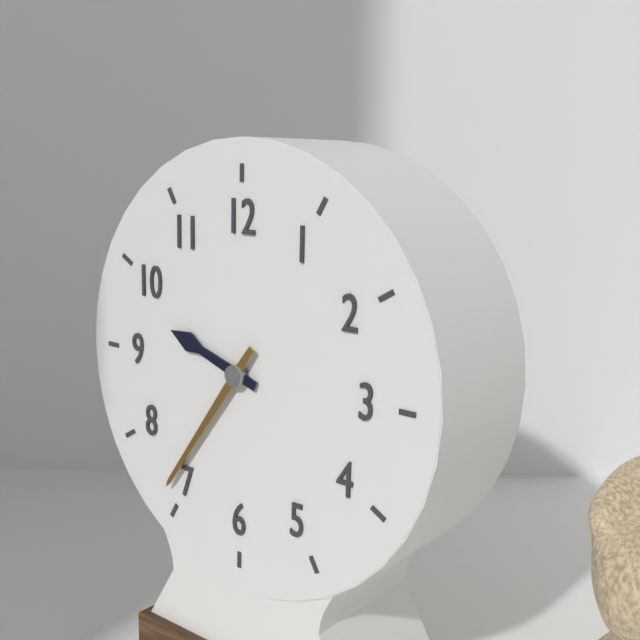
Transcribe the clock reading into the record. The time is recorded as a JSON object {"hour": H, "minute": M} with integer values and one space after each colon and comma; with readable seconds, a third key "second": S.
{"hour": 9, "minute": 36}
